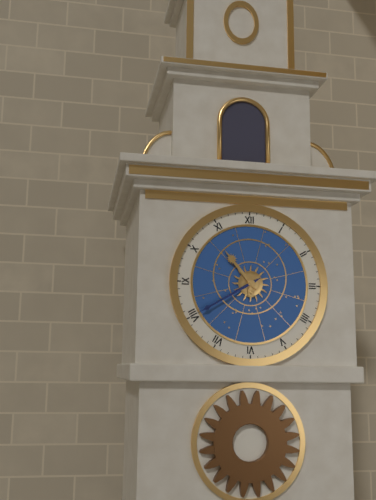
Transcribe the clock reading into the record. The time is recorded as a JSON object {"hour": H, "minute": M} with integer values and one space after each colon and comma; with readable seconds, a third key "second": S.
{"hour": 10, "minute": 40}
